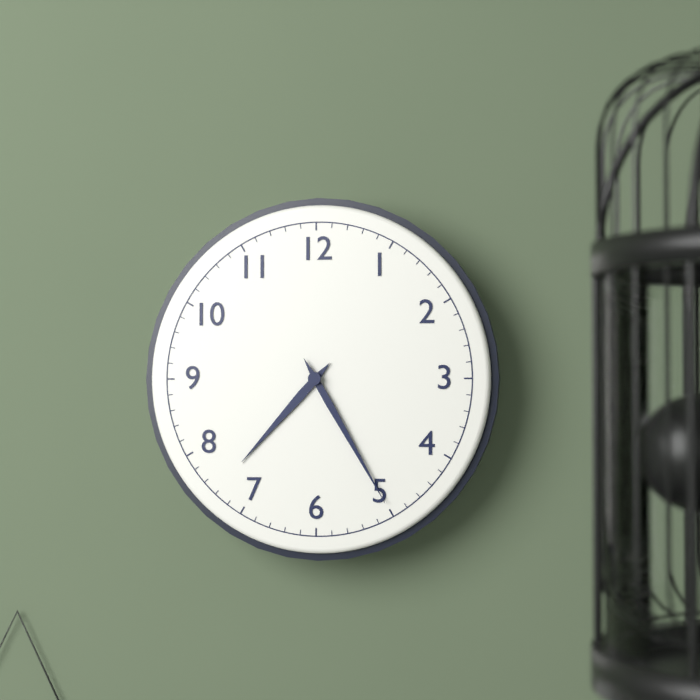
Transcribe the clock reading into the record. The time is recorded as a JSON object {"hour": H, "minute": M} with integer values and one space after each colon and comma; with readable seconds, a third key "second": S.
{"hour": 7, "minute": 25}
